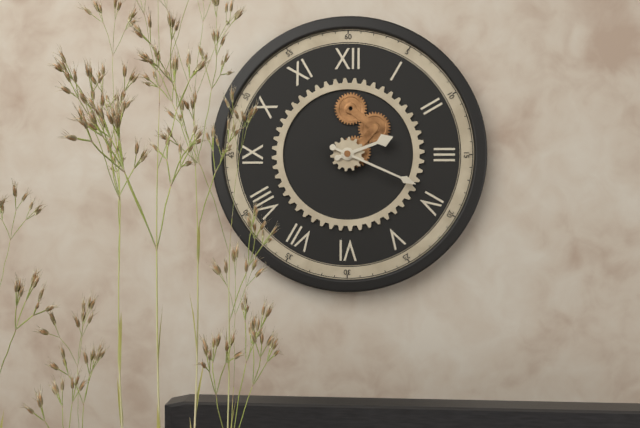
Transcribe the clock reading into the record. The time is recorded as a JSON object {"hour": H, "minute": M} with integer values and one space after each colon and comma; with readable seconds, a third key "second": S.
{"hour": 2, "minute": 19}
